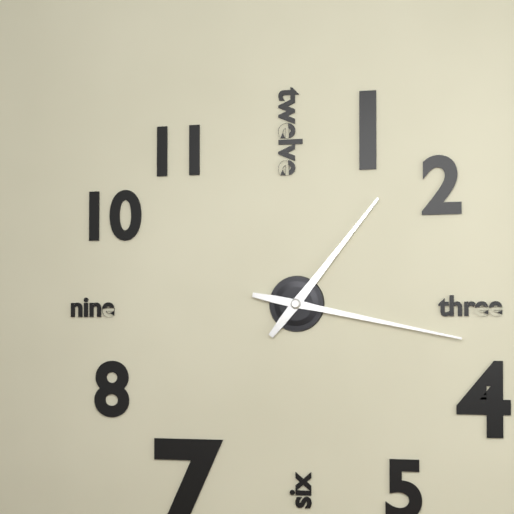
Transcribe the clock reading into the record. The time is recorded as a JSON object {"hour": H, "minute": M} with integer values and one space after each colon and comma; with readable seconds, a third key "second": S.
{"hour": 1, "minute": 17}
